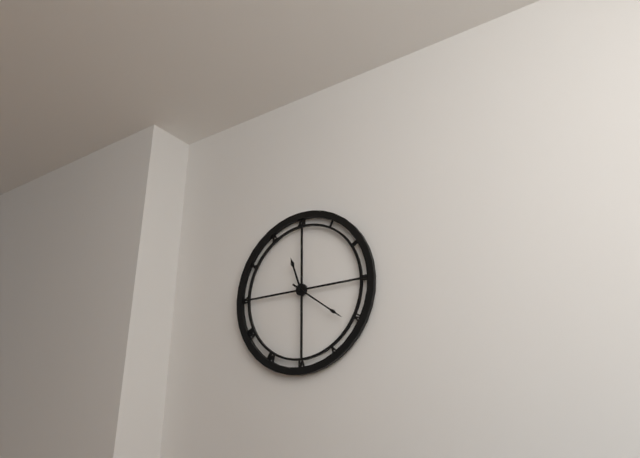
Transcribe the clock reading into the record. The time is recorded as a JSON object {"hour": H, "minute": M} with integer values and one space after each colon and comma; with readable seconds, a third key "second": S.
{"hour": 11, "minute": 21}
